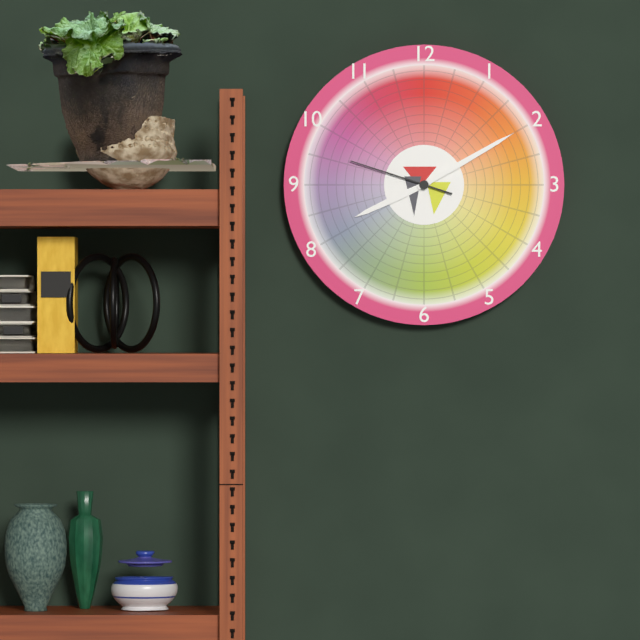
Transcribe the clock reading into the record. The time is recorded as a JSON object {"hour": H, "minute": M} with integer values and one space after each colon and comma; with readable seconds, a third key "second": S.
{"hour": 8, "minute": 10, "second": 48}
